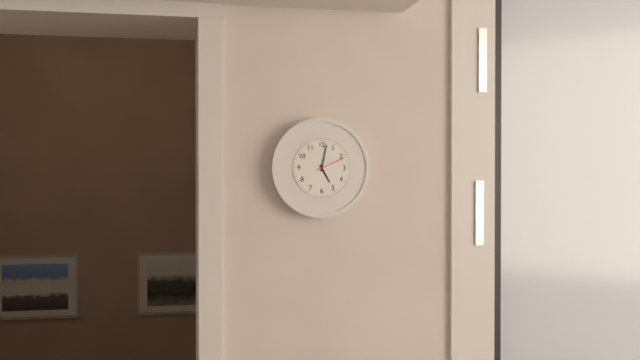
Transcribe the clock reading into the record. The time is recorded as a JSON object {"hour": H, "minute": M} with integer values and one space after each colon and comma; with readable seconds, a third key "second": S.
{"hour": 5, "minute": 2}
